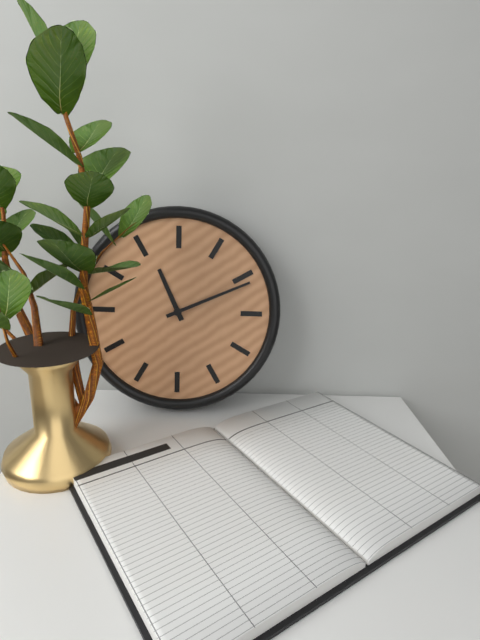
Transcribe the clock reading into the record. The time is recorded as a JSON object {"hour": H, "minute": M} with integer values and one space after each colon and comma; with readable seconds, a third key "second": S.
{"hour": 11, "minute": 11}
